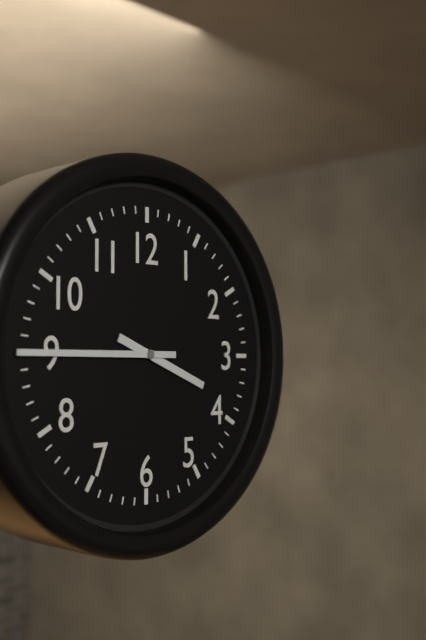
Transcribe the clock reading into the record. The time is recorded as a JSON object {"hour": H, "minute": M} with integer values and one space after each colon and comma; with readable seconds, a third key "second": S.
{"hour": 3, "minute": 45}
